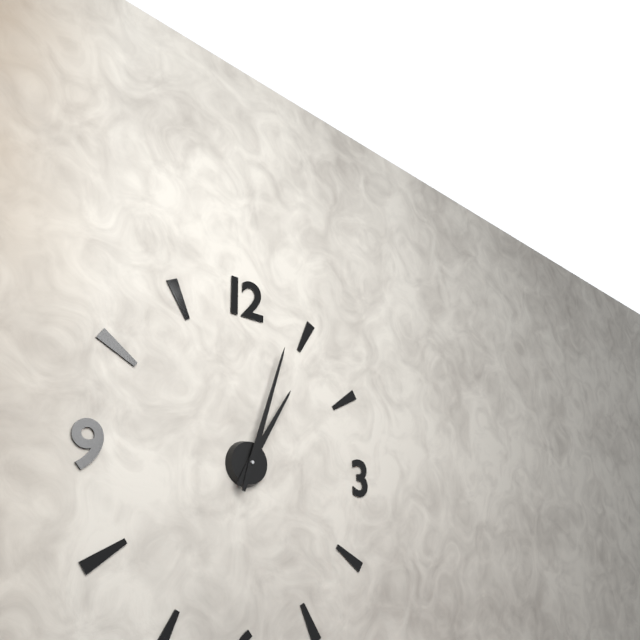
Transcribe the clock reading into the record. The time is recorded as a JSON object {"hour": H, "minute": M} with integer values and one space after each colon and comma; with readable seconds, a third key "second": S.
{"hour": 1, "minute": 3}
